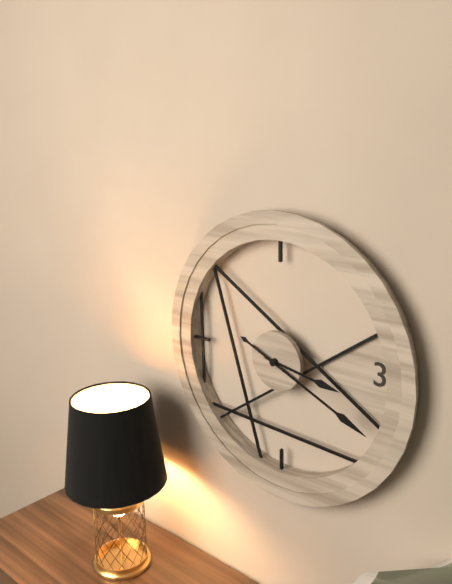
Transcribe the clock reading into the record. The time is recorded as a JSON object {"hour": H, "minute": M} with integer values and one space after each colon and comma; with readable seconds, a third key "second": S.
{"hour": 3, "minute": 19}
